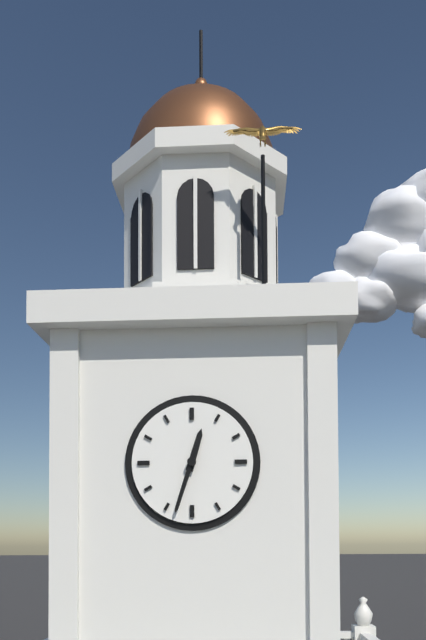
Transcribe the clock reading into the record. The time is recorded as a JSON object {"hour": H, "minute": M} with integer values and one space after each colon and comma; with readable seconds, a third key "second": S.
{"hour": 12, "minute": 33}
